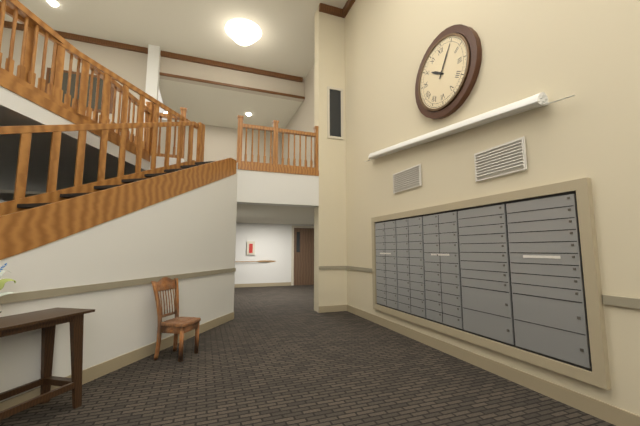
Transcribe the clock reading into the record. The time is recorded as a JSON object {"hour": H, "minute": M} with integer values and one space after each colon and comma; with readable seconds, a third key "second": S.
{"hour": 10, "minute": 5}
